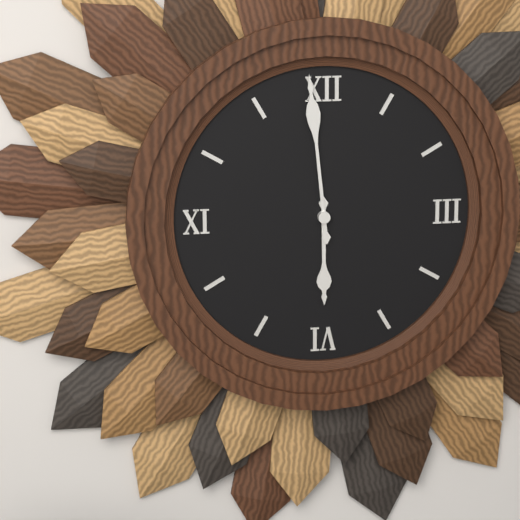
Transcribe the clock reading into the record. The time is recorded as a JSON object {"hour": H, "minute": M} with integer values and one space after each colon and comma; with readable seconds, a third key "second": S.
{"hour": 5, "minute": 59}
